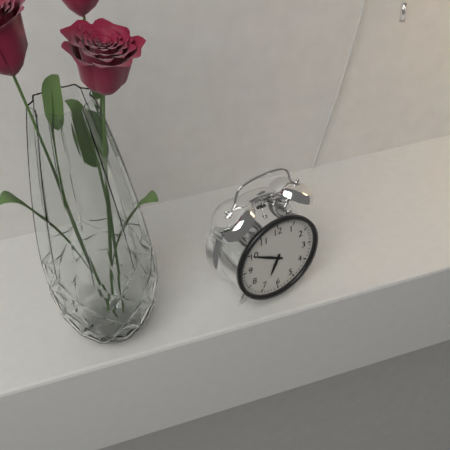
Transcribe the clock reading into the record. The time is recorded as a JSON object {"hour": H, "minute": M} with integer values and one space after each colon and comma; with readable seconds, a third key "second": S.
{"hour": 6, "minute": 50}
